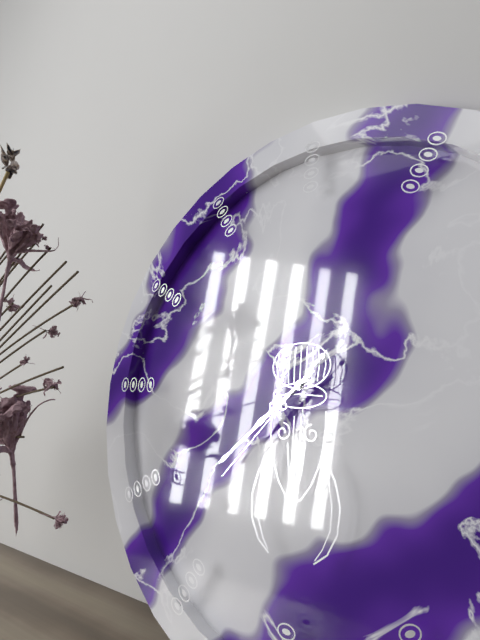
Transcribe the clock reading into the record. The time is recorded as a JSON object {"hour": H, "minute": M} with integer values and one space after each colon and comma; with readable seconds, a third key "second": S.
{"hour": 7, "minute": 38, "second": 37}
